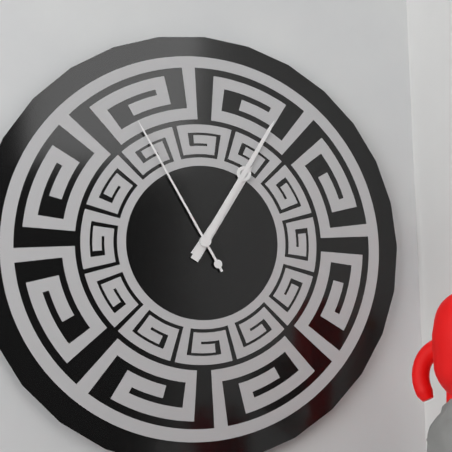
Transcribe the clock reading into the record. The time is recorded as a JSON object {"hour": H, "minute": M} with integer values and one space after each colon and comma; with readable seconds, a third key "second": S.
{"hour": 1, "minute": 5, "second": 55}
